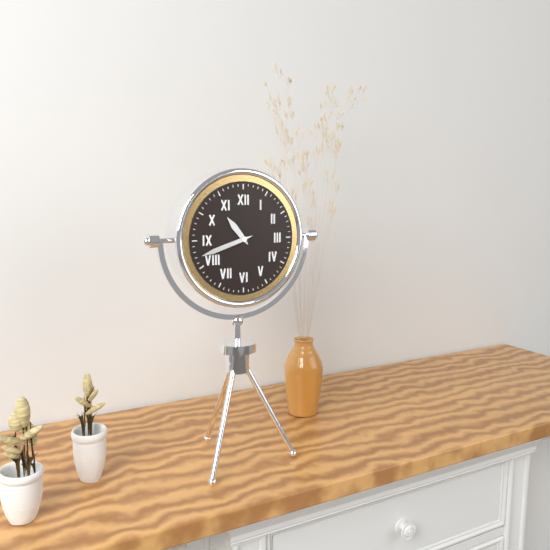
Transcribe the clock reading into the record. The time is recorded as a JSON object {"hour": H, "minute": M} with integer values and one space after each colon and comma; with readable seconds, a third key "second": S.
{"hour": 10, "minute": 42}
